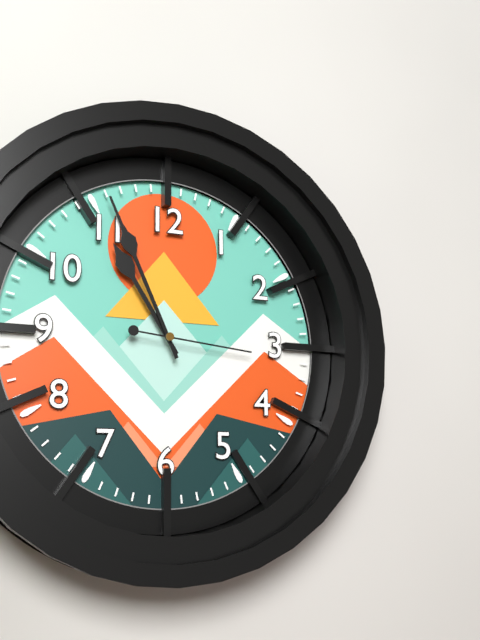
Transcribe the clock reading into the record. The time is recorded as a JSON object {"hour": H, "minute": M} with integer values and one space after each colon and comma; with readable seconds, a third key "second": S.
{"hour": 10, "minute": 56, "second": 16}
